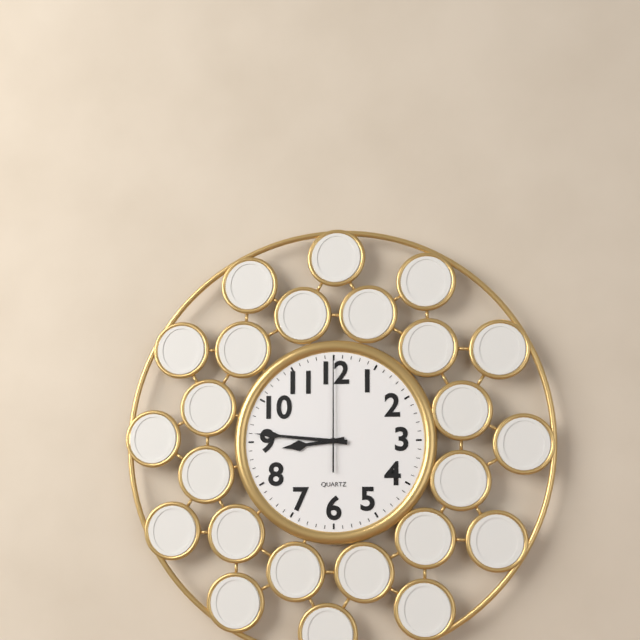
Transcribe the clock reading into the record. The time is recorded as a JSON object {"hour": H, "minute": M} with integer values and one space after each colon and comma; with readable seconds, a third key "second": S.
{"hour": 8, "minute": 46, "second": 0}
